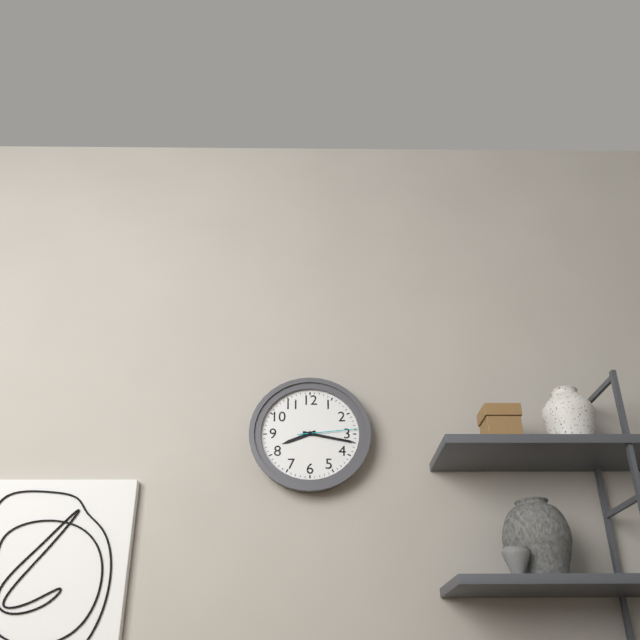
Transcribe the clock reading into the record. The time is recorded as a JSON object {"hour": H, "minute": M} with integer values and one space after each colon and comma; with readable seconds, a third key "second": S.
{"hour": 8, "minute": 17, "second": 14}
